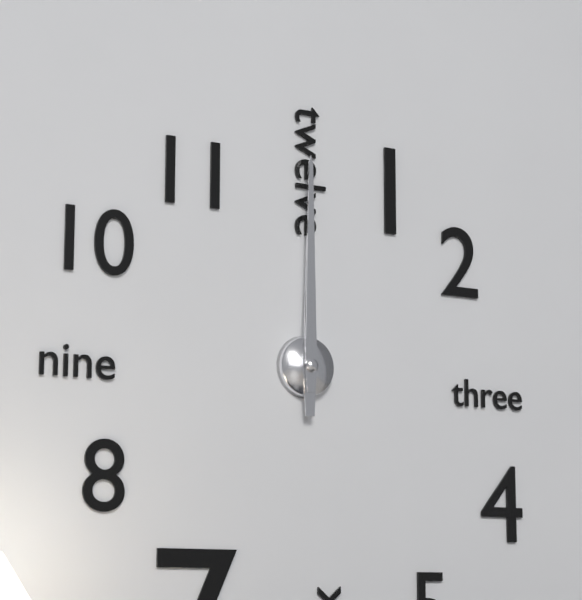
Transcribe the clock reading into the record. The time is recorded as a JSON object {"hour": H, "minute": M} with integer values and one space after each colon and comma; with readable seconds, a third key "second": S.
{"hour": 12, "minute": 0}
